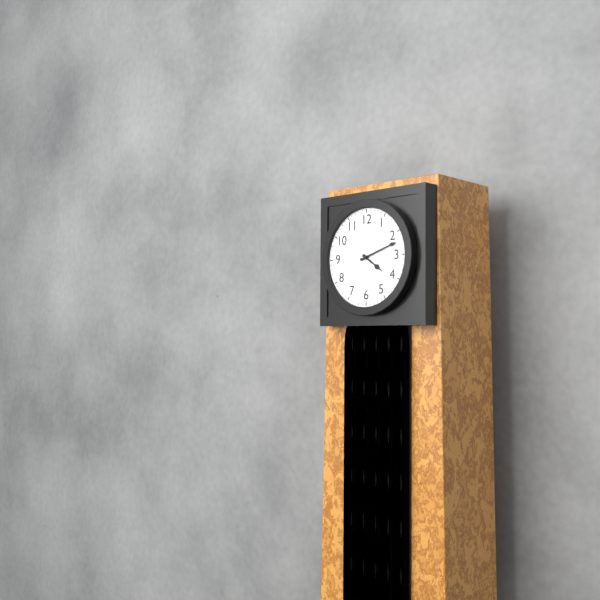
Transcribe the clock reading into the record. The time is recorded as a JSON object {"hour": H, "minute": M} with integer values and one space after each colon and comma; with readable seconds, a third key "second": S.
{"hour": 4, "minute": 12}
